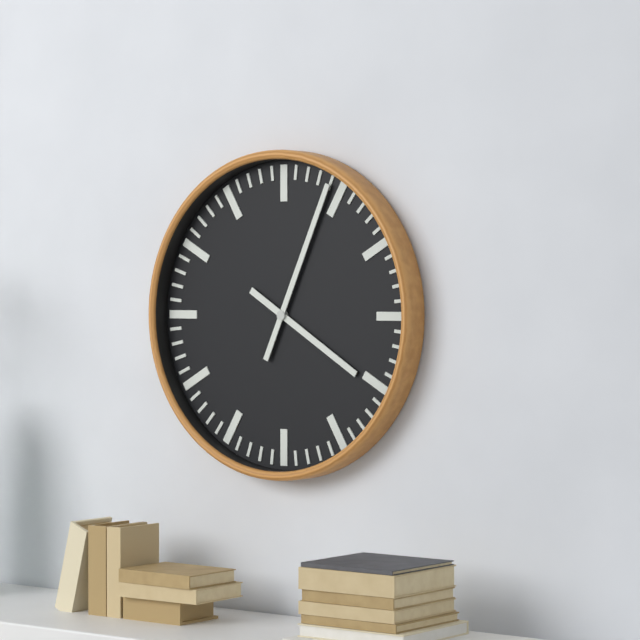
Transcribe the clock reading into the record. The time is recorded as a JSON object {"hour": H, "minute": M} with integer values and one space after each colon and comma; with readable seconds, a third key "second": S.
{"hour": 4, "minute": 4}
